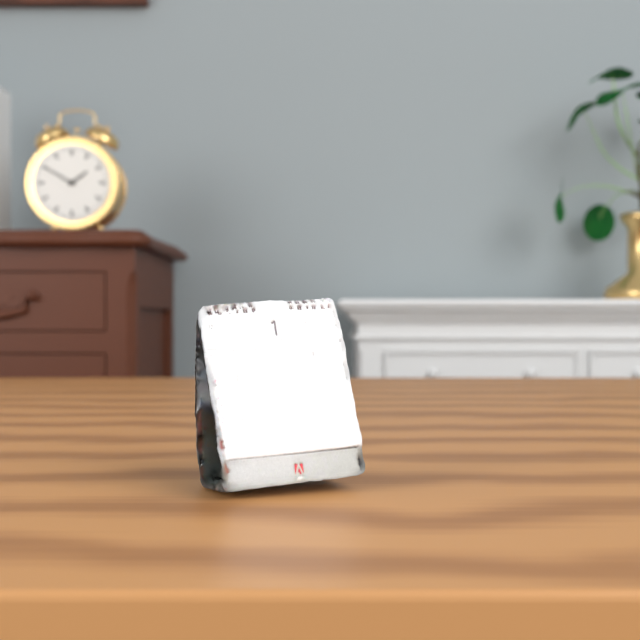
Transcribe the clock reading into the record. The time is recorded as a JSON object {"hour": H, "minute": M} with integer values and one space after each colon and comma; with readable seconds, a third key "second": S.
{"hour": 1, "minute": 50}
